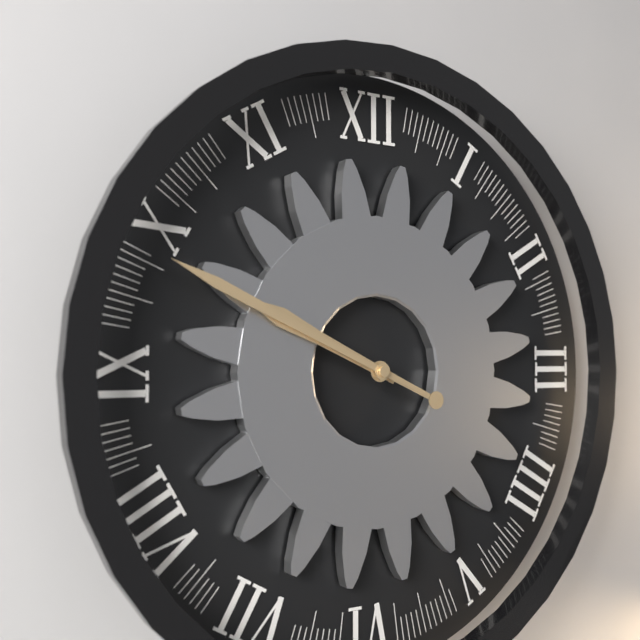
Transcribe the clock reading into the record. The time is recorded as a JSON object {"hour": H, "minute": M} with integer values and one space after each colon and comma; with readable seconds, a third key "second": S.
{"hour": 9, "minute": 49}
